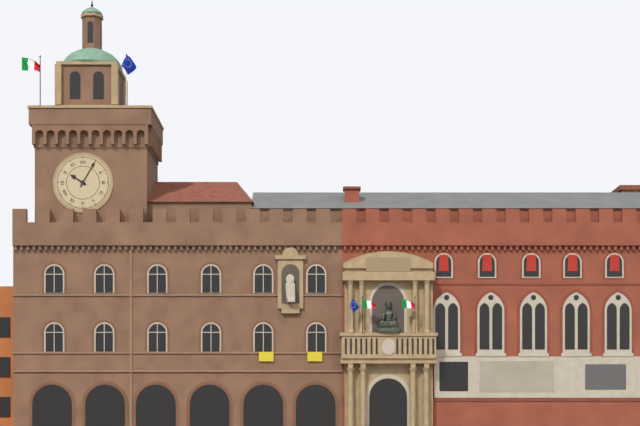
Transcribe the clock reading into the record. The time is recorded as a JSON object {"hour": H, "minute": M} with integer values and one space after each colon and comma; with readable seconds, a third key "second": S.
{"hour": 10, "minute": 5}
